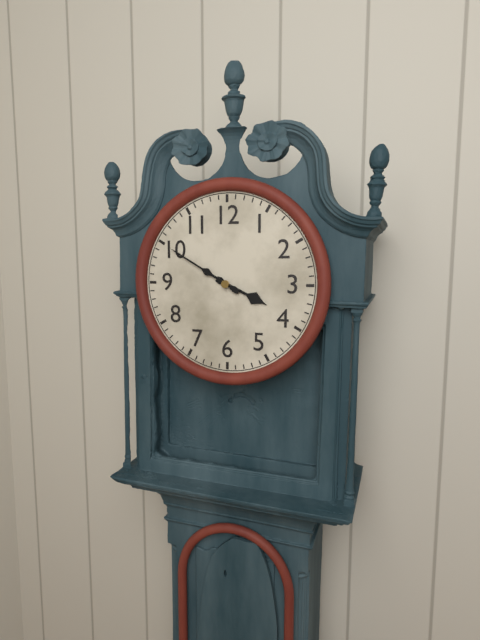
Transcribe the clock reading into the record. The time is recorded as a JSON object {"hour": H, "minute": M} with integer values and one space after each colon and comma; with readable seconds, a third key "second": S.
{"hour": 3, "minute": 50}
